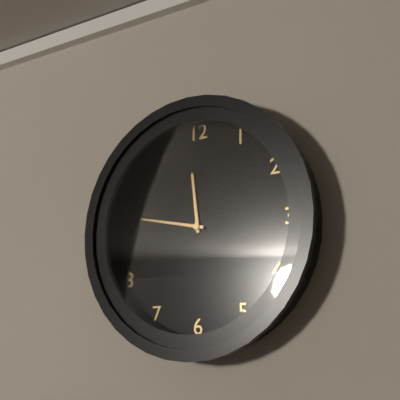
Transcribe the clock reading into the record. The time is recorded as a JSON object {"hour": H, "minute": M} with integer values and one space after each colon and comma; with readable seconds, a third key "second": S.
{"hour": 11, "minute": 47}
